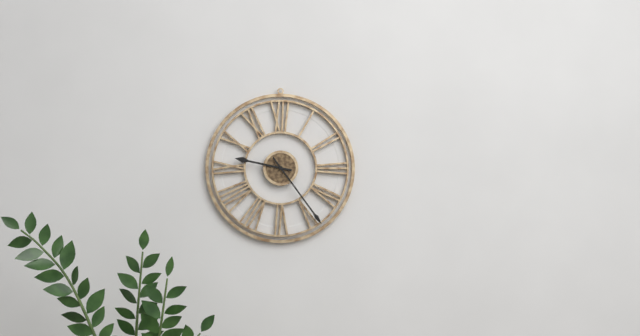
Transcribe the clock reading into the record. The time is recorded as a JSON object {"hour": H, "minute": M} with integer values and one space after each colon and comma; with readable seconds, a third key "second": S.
{"hour": 9, "minute": 24}
